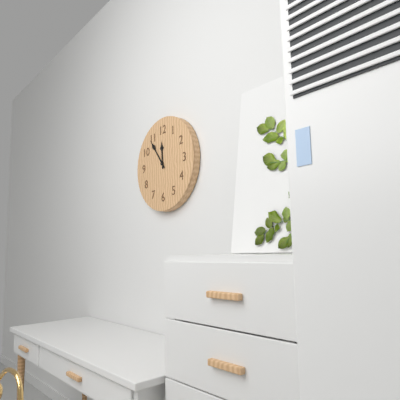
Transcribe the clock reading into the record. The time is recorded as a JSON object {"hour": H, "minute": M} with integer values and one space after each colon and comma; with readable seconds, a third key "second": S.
{"hour": 11, "minute": 54}
